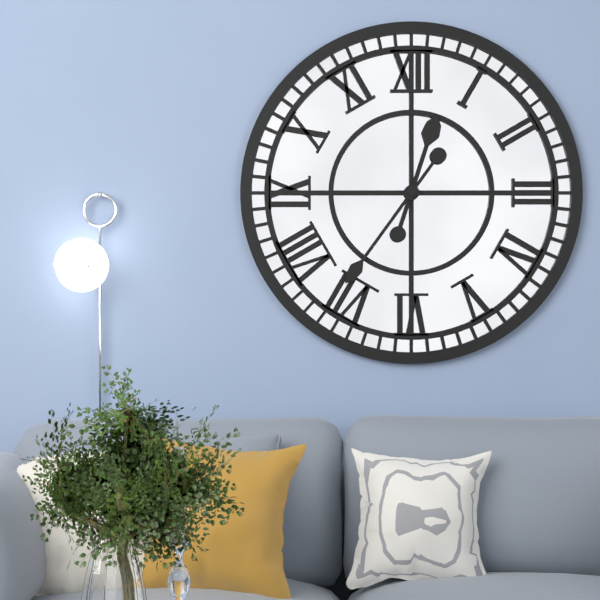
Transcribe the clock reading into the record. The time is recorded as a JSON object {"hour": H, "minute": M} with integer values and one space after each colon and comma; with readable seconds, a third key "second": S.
{"hour": 12, "minute": 36}
